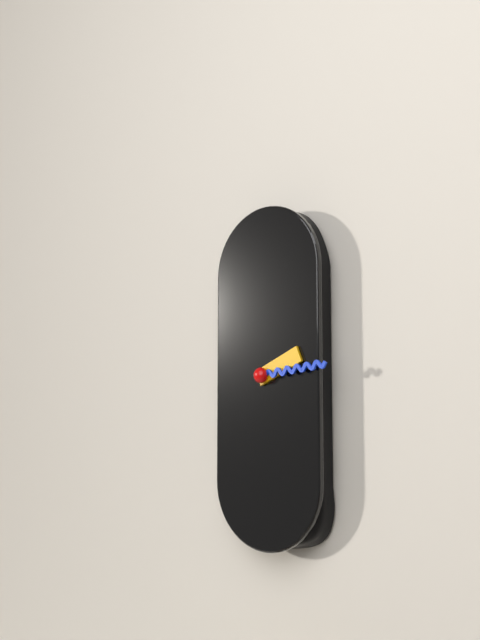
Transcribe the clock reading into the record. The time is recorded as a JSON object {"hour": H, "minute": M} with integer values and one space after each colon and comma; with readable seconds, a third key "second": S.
{"hour": 2, "minute": 14}
